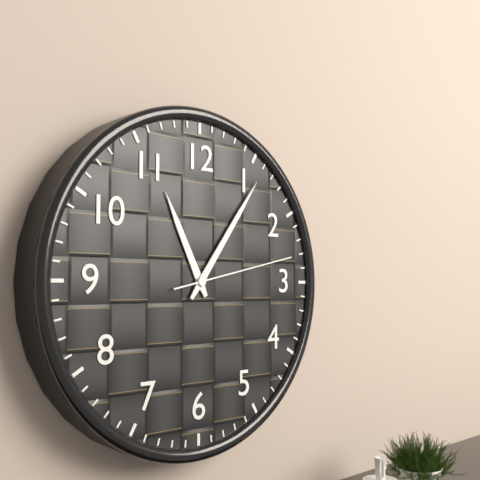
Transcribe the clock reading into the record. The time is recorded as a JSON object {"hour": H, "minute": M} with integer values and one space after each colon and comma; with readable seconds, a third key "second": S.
{"hour": 11, "minute": 6, "second": 13}
